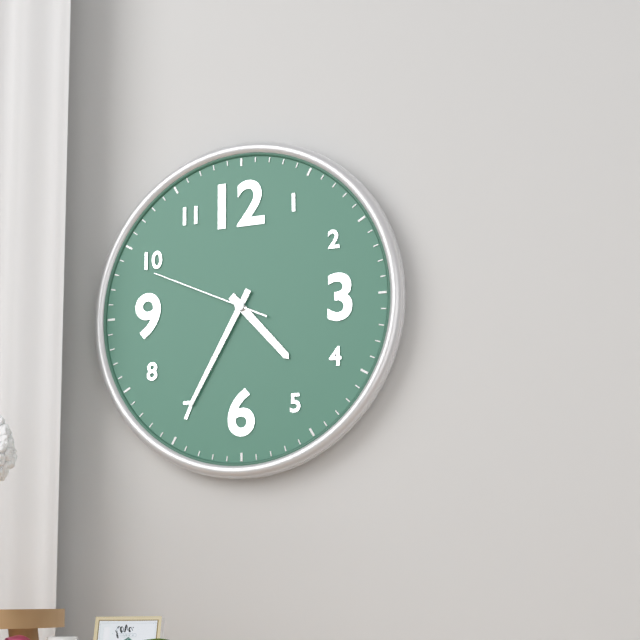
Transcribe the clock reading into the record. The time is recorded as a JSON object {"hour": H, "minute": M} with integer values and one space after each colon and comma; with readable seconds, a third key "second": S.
{"hour": 4, "minute": 35, "second": 49}
